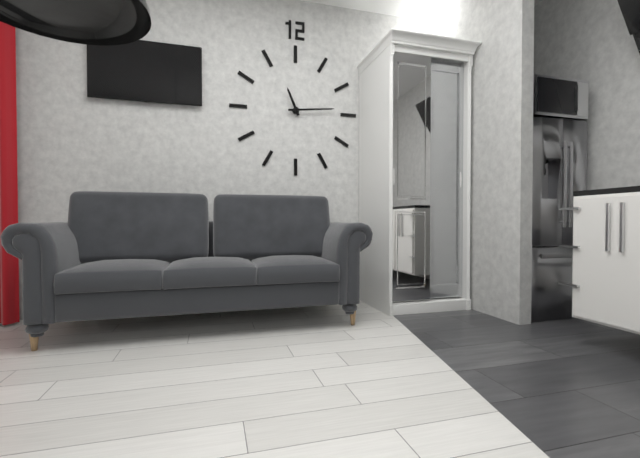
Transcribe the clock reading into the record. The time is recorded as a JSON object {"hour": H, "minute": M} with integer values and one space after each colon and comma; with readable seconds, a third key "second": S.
{"hour": 11, "minute": 14}
